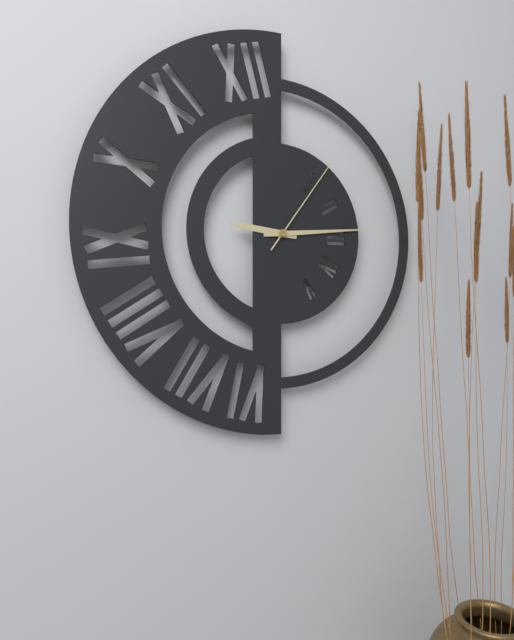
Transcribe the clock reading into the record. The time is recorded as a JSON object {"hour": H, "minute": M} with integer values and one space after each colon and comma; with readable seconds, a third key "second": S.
{"hour": 9, "minute": 14, "second": 6}
